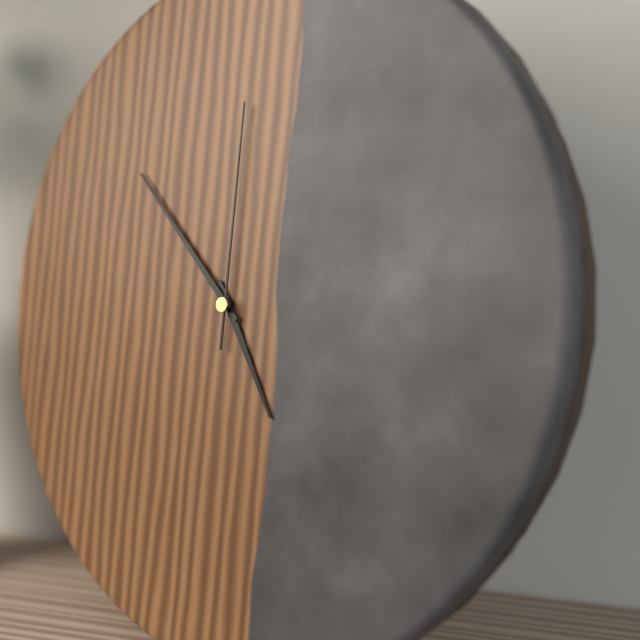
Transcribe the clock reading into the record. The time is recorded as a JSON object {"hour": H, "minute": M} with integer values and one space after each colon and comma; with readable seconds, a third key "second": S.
{"hour": 4, "minute": 52, "second": 0}
